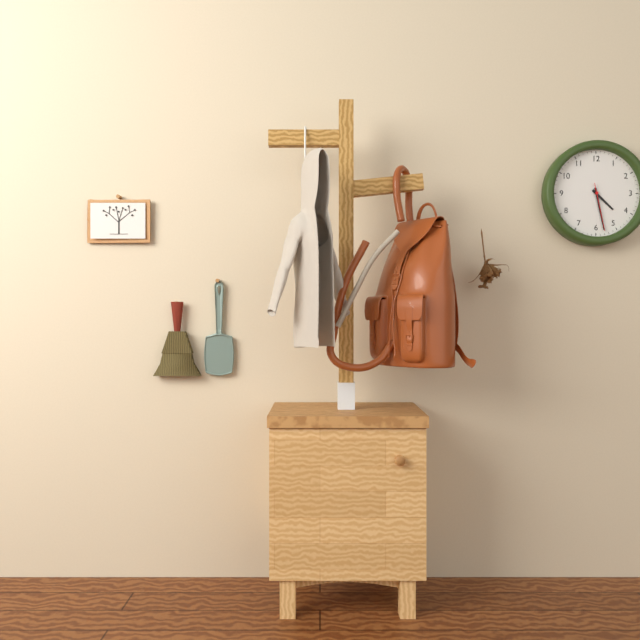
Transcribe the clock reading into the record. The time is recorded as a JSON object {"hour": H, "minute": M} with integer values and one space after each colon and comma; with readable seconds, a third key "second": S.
{"hour": 4, "minute": 28}
